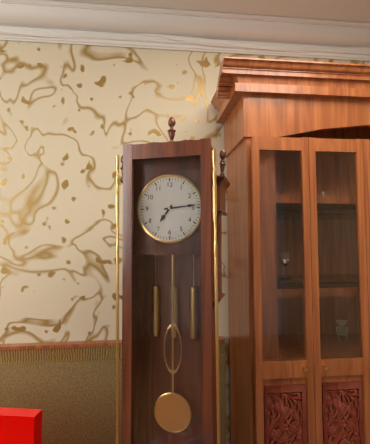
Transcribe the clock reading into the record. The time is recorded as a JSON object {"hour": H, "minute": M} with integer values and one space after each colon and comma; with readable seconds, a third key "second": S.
{"hour": 7, "minute": 14}
